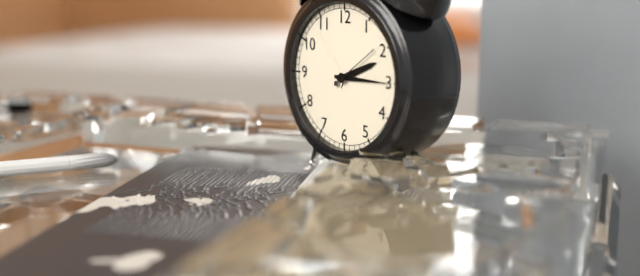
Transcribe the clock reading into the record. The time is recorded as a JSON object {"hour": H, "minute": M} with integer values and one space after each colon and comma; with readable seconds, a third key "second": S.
{"hour": 2, "minute": 15, "second": 9}
